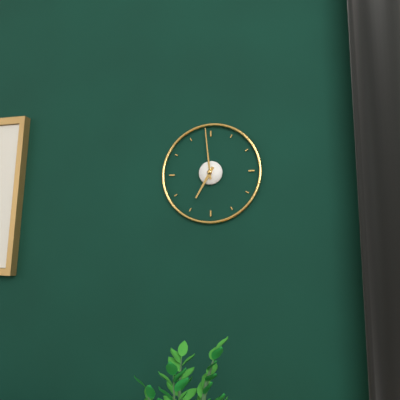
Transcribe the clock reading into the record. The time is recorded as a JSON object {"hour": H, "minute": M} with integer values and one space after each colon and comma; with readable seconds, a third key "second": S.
{"hour": 6, "minute": 59}
